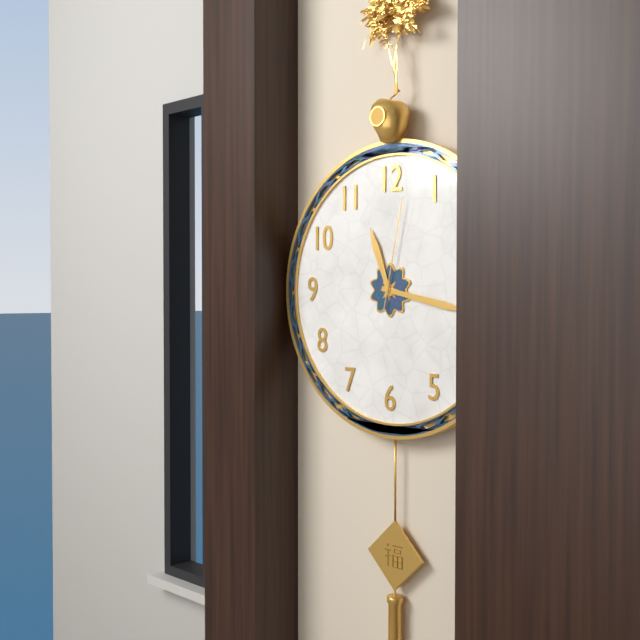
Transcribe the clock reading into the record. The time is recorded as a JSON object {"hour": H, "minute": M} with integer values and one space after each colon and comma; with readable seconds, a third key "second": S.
{"hour": 11, "minute": 17, "second": 2}
